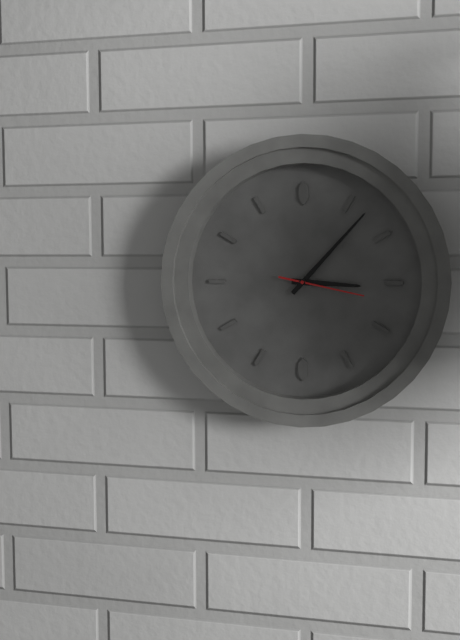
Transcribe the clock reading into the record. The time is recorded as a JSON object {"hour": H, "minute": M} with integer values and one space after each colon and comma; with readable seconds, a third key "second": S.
{"hour": 3, "minute": 7, "second": 17}
